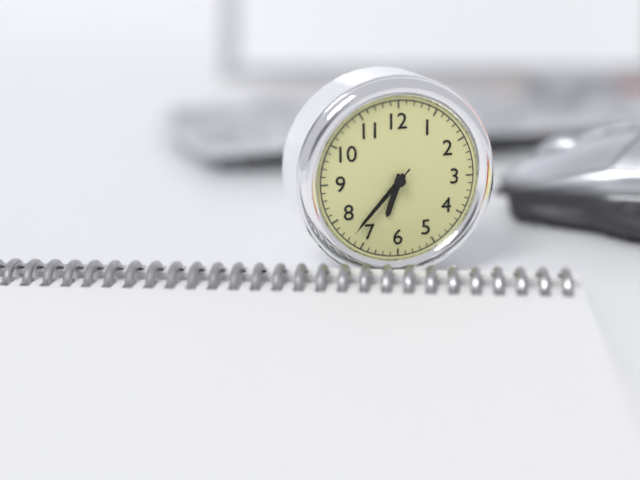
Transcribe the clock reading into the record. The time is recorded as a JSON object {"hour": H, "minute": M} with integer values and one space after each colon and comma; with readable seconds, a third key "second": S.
{"hour": 6, "minute": 37, "second": 37}
